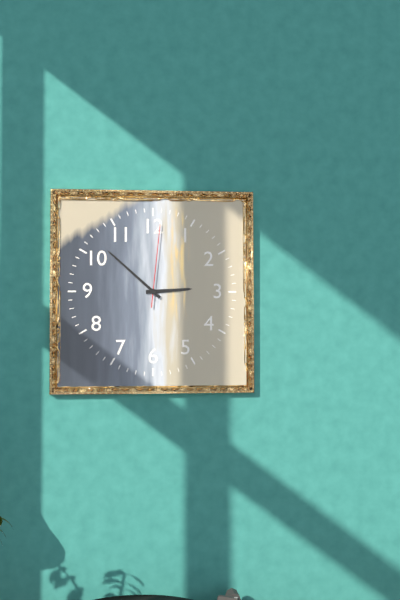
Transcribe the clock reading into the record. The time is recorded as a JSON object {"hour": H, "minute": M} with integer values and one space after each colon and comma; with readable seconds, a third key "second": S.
{"hour": 2, "minute": 52, "second": 1}
